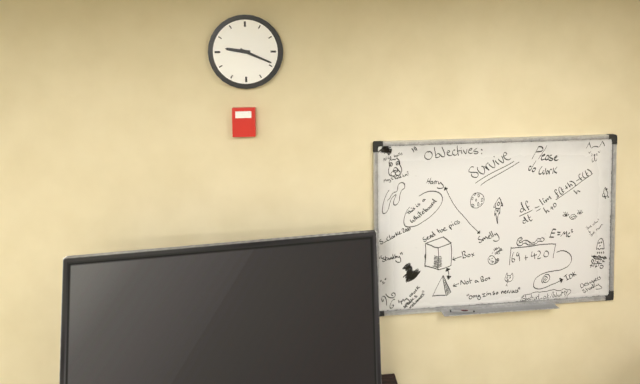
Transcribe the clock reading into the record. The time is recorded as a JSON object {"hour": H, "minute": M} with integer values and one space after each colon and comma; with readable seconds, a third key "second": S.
{"hour": 9, "minute": 19}
